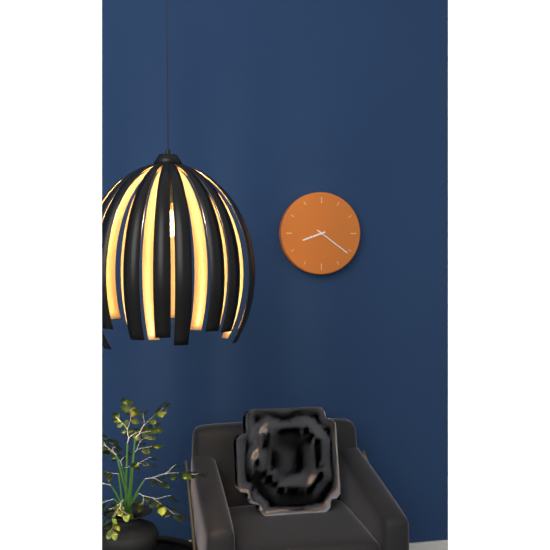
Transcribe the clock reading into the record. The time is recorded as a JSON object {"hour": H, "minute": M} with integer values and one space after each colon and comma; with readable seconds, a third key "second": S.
{"hour": 8, "minute": 21}
